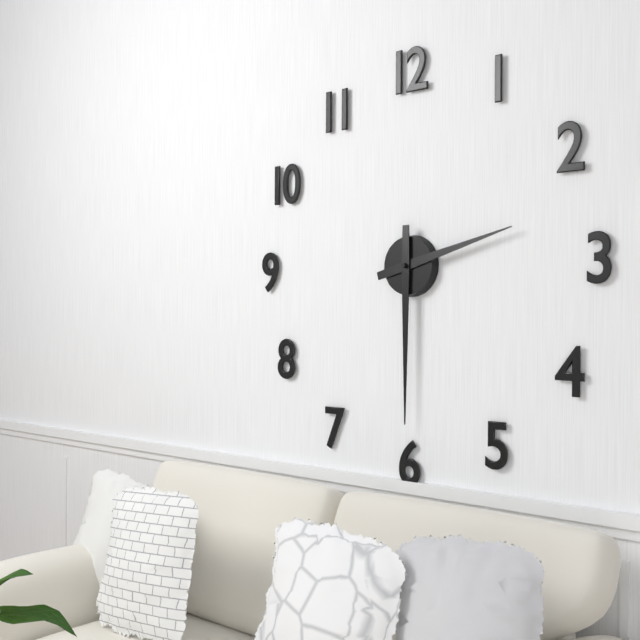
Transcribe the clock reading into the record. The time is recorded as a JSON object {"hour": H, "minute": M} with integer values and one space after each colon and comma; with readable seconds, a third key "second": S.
{"hour": 2, "minute": 30}
